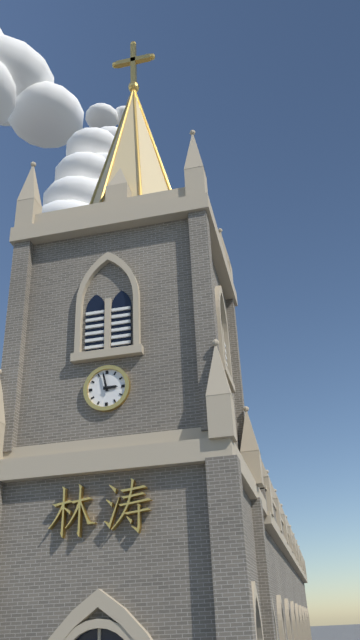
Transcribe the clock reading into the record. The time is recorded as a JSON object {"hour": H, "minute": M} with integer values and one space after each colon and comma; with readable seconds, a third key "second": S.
{"hour": 2, "minute": 58}
